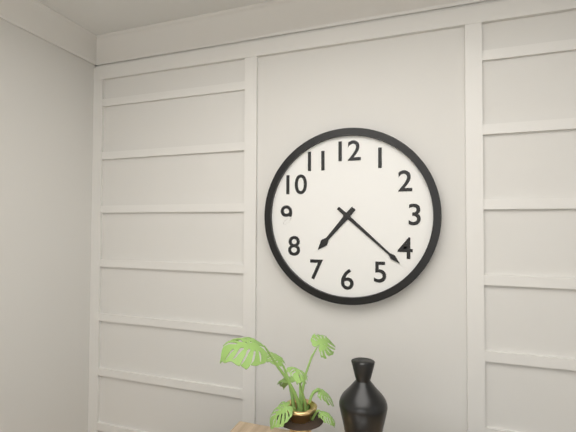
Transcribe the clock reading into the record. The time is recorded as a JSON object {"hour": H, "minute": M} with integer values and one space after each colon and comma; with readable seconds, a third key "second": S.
{"hour": 7, "minute": 22}
